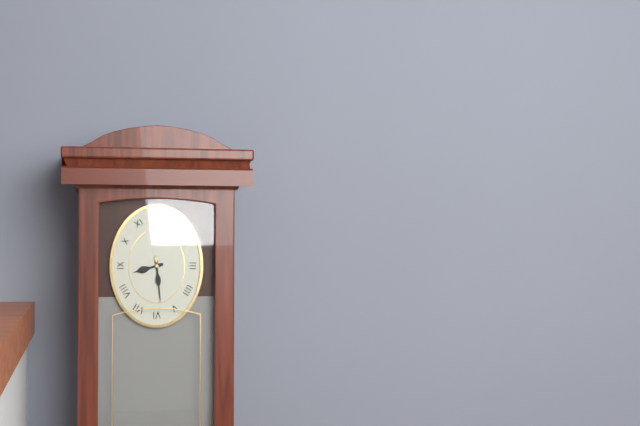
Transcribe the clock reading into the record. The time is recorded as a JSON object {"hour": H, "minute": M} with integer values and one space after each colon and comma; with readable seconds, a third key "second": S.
{"hour": 8, "minute": 29}
